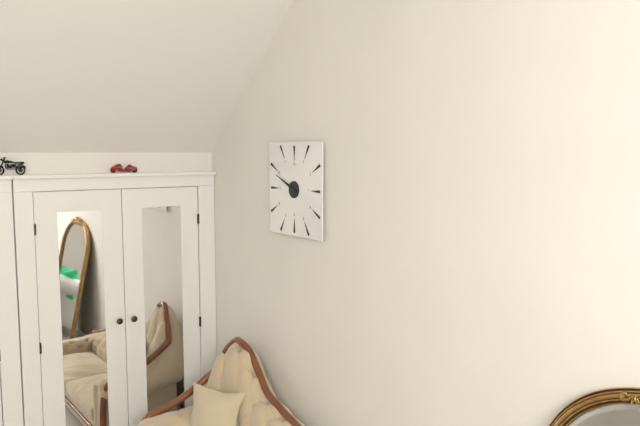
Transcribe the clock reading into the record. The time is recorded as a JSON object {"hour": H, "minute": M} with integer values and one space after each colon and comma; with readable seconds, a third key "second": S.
{"hour": 9, "minute": 49}
